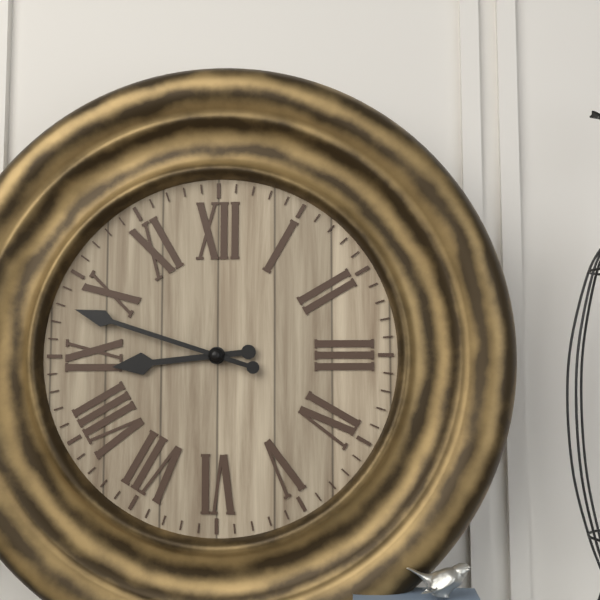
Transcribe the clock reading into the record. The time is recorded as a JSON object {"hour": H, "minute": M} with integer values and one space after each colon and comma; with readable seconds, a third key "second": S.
{"hour": 8, "minute": 48}
